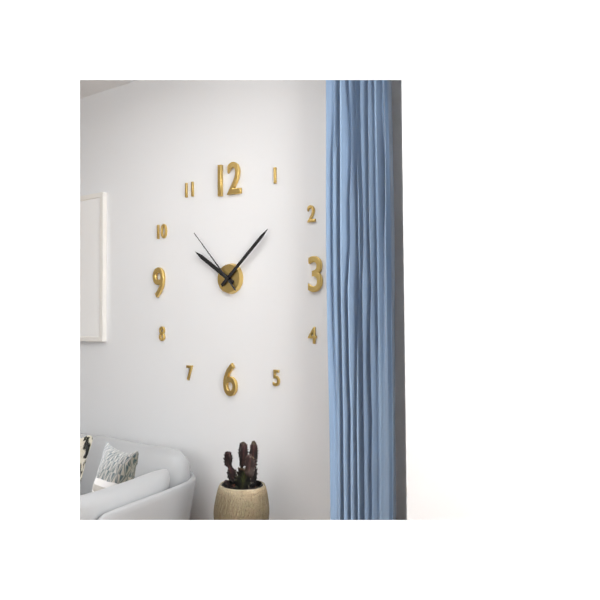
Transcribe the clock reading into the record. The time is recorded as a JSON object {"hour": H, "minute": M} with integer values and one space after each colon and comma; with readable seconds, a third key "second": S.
{"hour": 10, "minute": 8, "second": 53}
